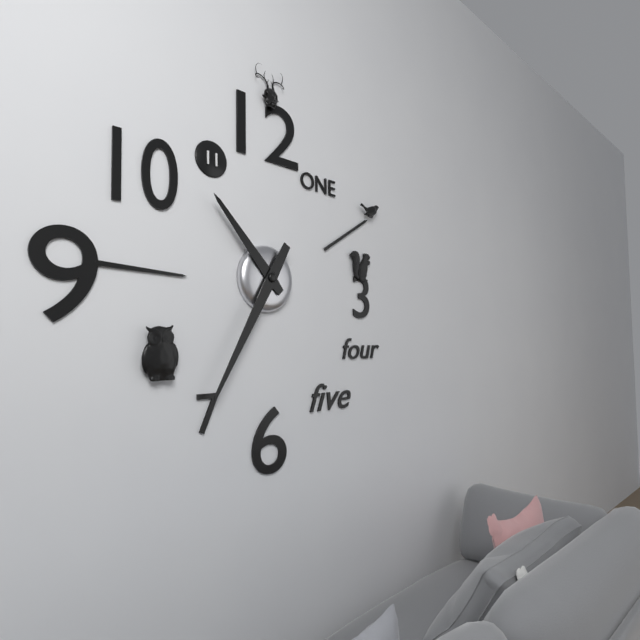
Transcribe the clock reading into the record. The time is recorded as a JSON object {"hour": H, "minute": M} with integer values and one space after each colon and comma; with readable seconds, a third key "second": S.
{"hour": 10, "minute": 35}
